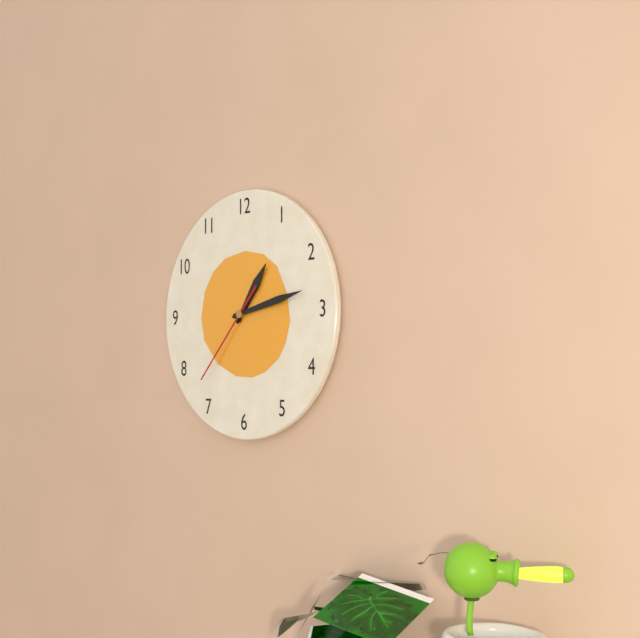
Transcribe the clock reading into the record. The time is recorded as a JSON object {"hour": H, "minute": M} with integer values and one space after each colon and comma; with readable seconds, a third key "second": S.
{"hour": 1, "minute": 13, "second": 37}
